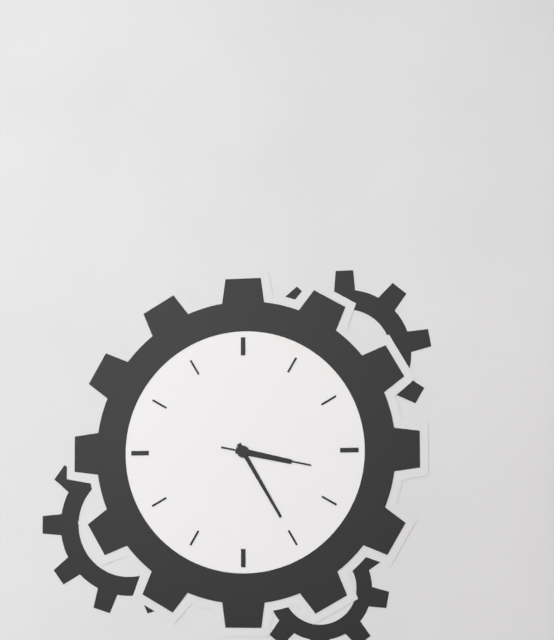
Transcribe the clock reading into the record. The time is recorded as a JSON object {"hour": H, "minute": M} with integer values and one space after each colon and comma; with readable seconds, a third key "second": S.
{"hour": 3, "minute": 25, "second": 17}
